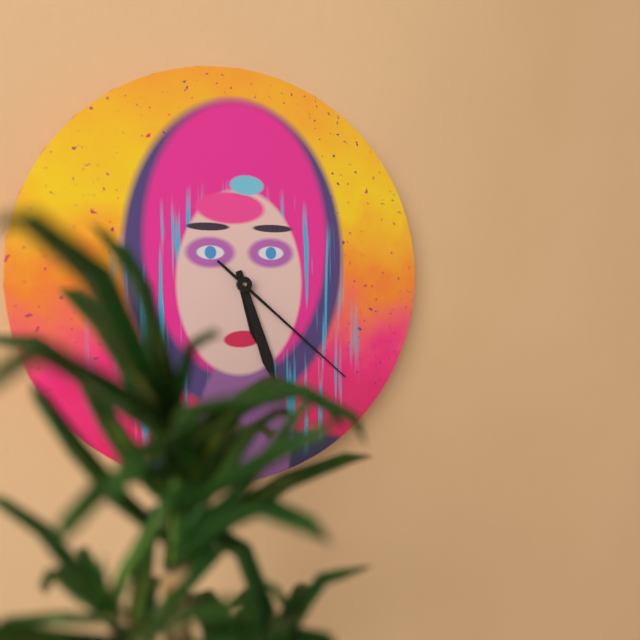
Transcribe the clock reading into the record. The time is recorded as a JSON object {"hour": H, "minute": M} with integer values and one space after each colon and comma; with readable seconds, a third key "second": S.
{"hour": 5, "minute": 27, "second": 22}
